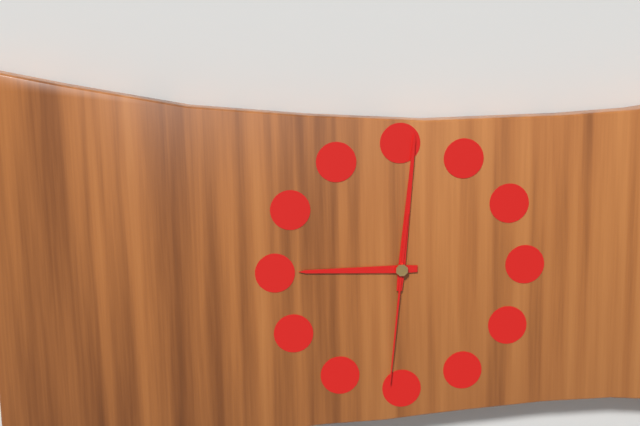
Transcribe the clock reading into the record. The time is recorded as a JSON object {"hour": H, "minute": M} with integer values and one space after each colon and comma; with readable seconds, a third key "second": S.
{"hour": 9, "minute": 1, "second": 31}
